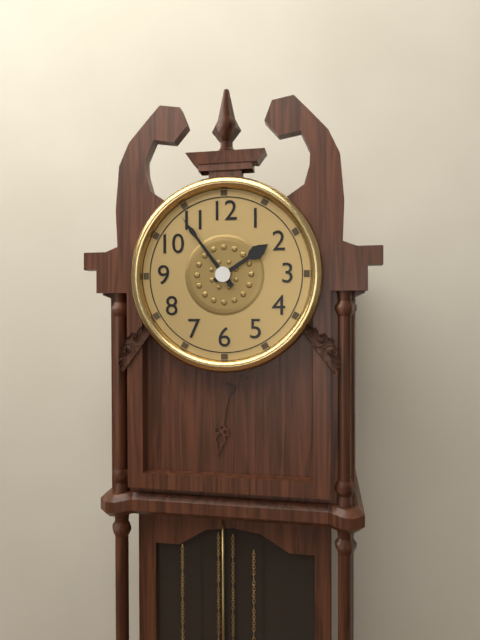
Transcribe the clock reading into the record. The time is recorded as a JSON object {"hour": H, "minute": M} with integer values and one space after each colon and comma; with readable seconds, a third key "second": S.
{"hour": 1, "minute": 54}
